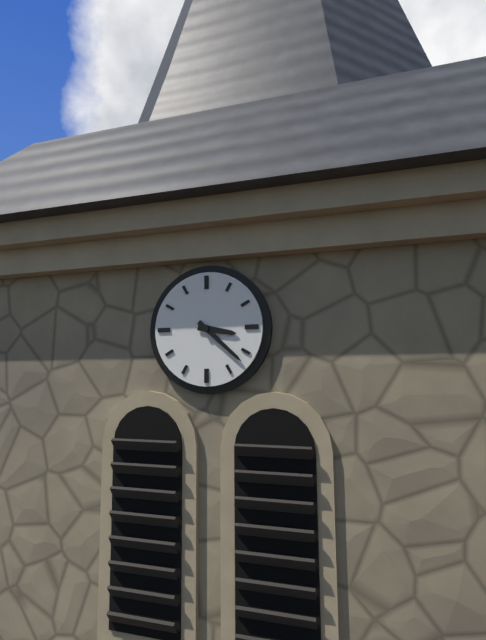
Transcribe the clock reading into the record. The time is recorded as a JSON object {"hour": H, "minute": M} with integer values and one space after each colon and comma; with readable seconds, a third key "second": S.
{"hour": 3, "minute": 22}
